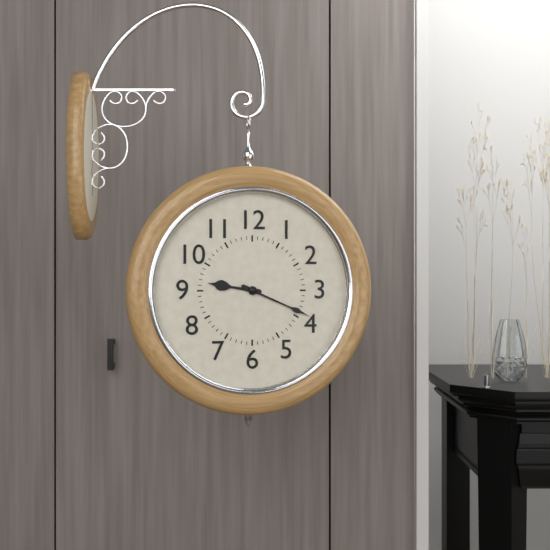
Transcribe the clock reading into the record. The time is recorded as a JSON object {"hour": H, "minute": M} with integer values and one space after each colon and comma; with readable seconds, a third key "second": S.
{"hour": 9, "minute": 19}
